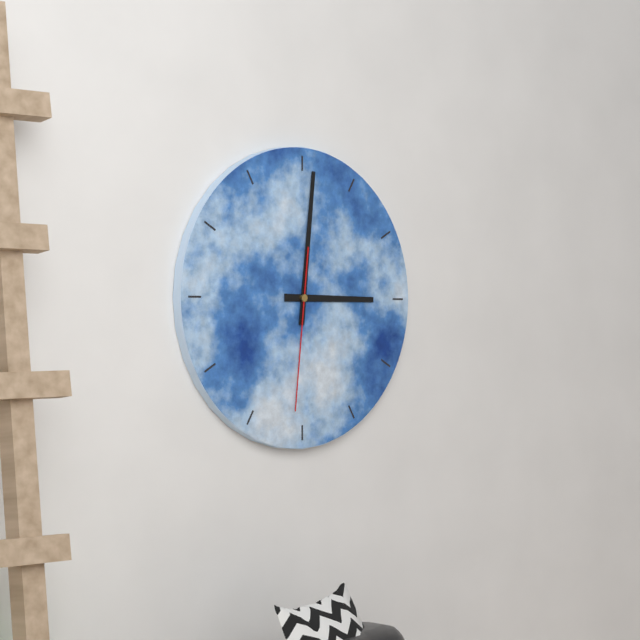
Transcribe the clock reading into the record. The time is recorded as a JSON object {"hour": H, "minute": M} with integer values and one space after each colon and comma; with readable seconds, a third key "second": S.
{"hour": 3, "minute": 1, "second": 31}
